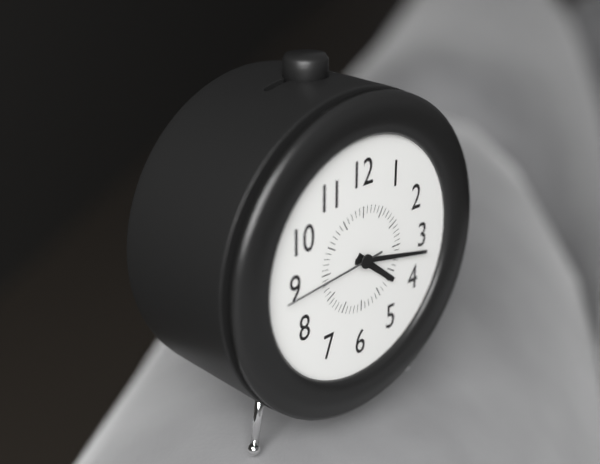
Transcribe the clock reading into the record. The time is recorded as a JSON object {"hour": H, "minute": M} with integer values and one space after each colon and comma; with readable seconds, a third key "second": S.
{"hour": 4, "minute": 17, "second": 44}
